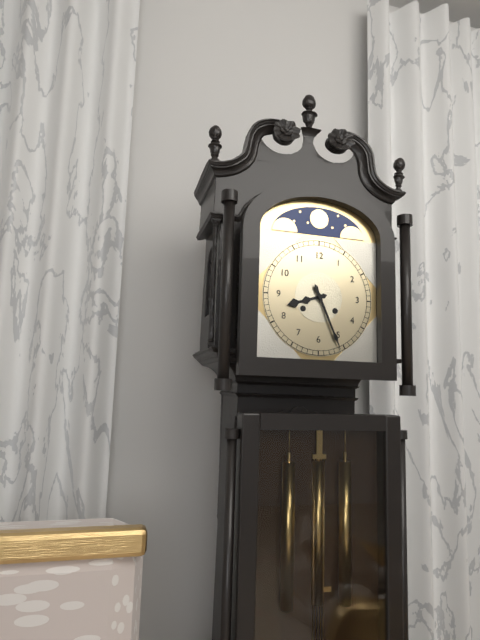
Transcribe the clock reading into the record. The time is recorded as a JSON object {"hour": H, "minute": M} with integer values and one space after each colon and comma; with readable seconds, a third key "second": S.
{"hour": 8, "minute": 26}
